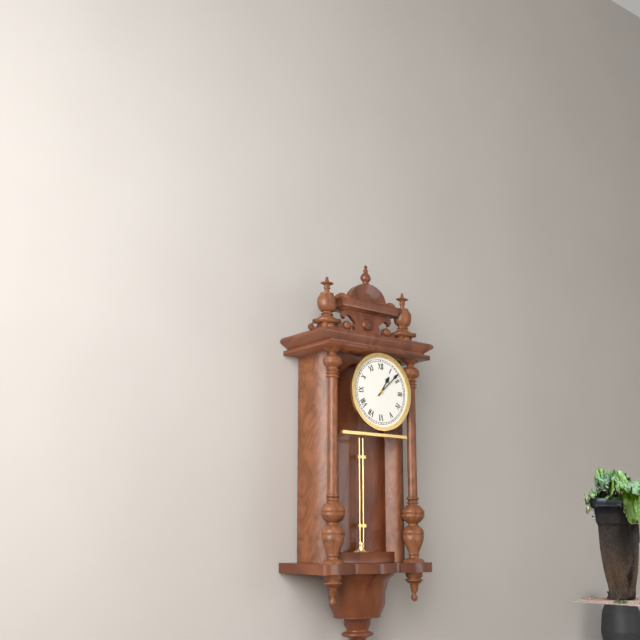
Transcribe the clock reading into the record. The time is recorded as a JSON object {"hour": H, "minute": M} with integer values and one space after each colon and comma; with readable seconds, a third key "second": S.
{"hour": 1, "minute": 8}
